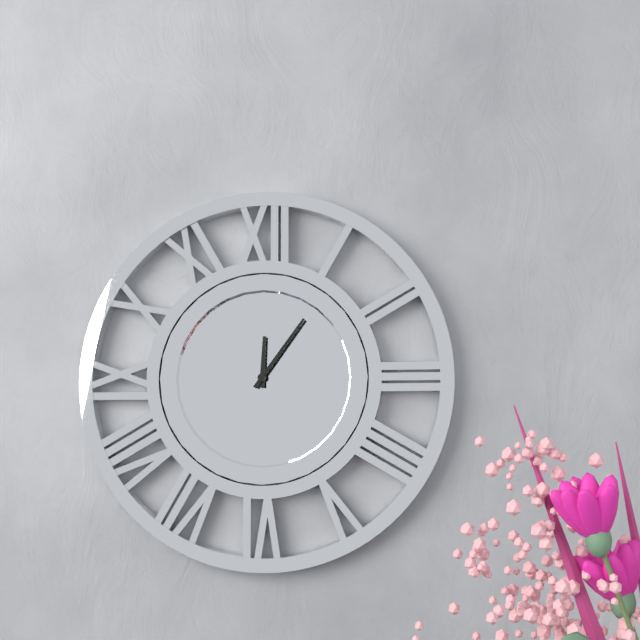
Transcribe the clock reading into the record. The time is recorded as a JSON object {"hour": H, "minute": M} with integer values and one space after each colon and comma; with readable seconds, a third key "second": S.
{"hour": 12, "minute": 6}
